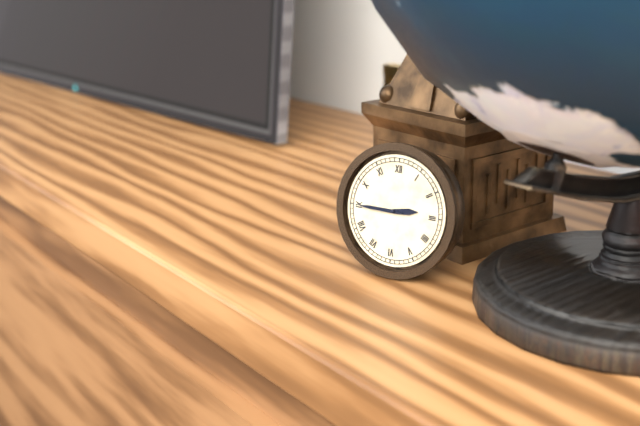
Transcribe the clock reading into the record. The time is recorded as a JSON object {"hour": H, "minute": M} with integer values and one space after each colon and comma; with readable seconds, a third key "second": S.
{"hour": 2, "minute": 45}
